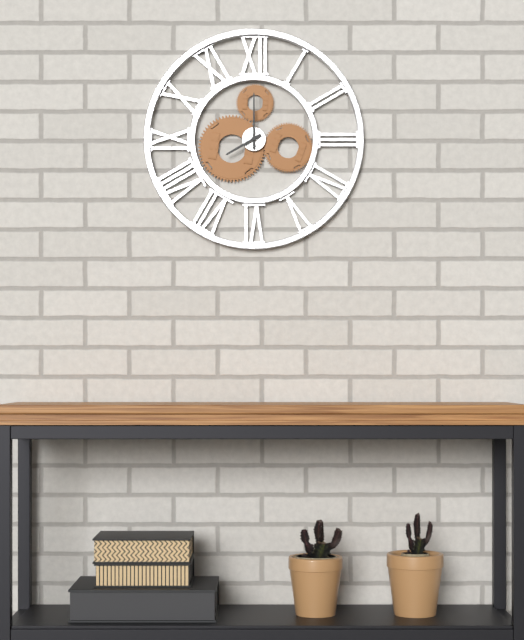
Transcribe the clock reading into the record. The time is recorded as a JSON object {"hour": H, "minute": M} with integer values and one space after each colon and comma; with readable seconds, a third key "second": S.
{"hour": 8, "minute": 0}
